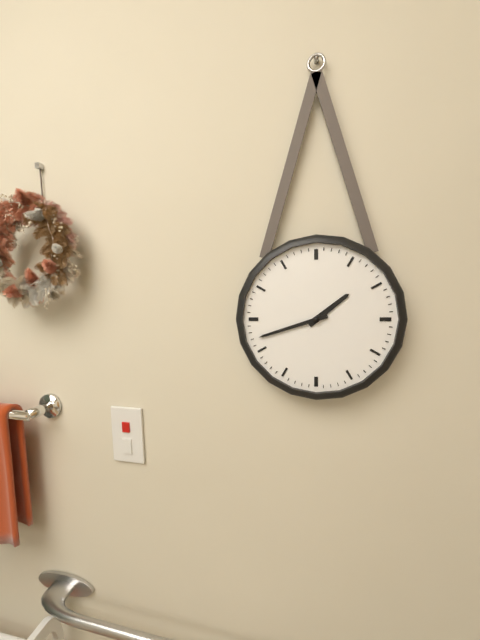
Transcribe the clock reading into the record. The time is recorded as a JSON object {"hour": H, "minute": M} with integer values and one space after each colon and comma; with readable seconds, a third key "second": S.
{"hour": 1, "minute": 42}
